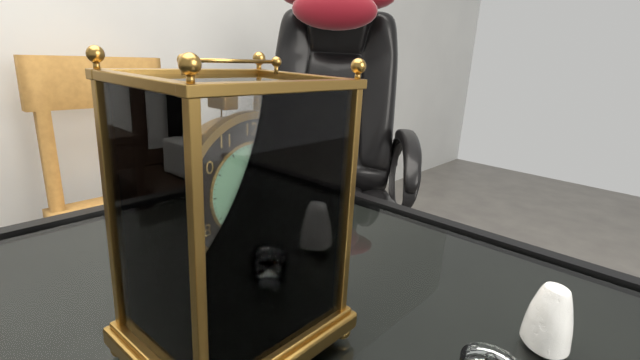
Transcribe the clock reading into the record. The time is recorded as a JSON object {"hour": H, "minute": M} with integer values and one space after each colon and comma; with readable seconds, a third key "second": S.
{"hour": 1, "minute": 12}
